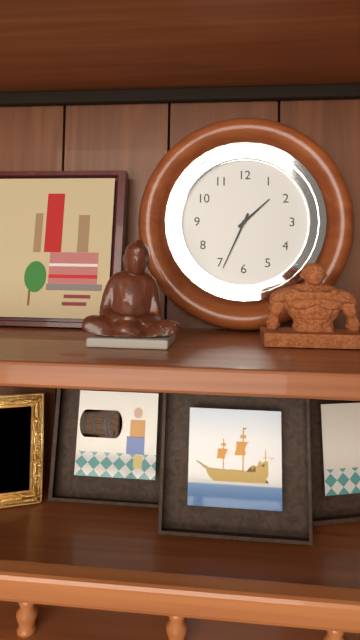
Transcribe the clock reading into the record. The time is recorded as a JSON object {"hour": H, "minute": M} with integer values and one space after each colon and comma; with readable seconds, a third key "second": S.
{"hour": 1, "minute": 34}
